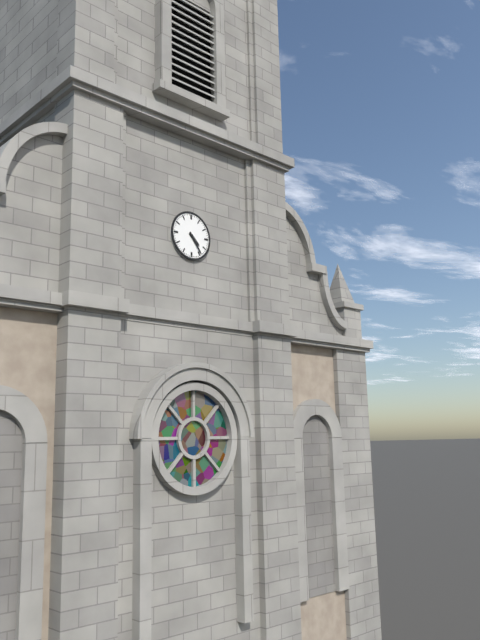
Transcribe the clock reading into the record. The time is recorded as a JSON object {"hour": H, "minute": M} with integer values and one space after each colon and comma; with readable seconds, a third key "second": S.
{"hour": 4, "minute": 24}
